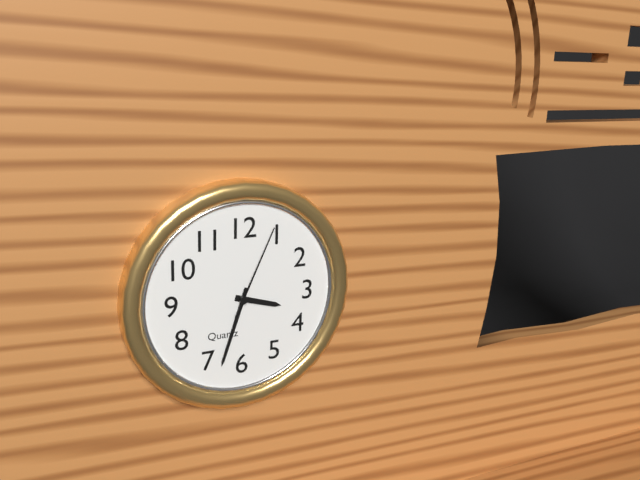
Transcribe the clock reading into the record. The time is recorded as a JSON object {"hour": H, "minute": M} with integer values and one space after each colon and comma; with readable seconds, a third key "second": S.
{"hour": 3, "minute": 33, "second": 4}
